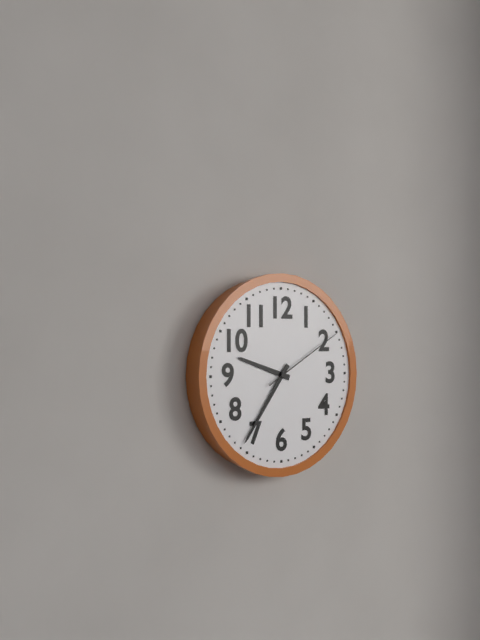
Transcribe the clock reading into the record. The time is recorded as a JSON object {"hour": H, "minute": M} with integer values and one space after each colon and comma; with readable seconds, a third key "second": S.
{"hour": 9, "minute": 36, "second": 10}
